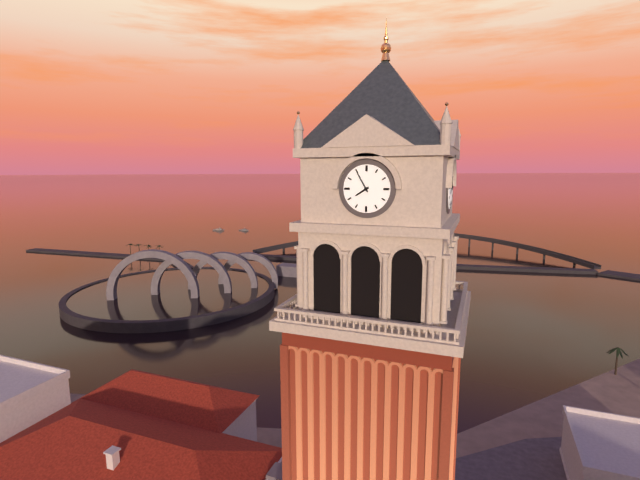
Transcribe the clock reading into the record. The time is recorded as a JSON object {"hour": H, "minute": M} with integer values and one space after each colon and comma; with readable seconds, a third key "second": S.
{"hour": 7, "minute": 55}
